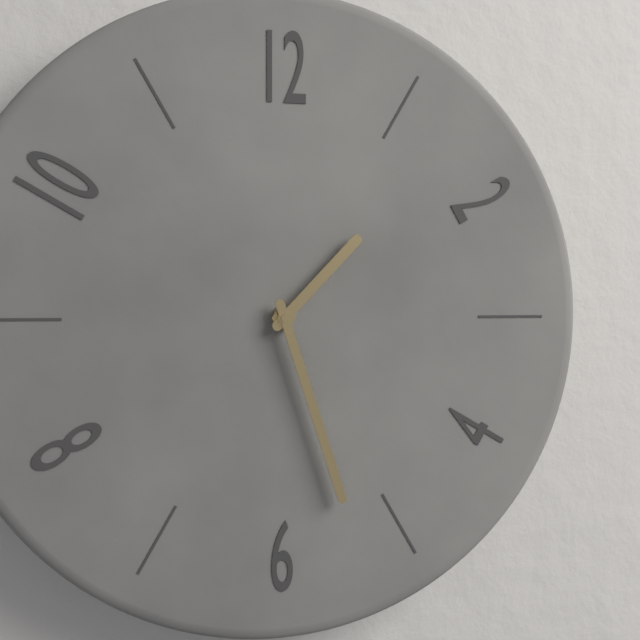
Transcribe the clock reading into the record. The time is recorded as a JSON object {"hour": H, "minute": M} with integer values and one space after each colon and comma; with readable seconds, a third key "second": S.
{"hour": 1, "minute": 27}
